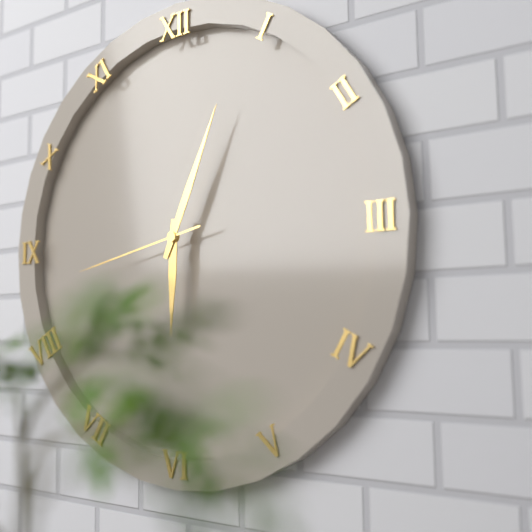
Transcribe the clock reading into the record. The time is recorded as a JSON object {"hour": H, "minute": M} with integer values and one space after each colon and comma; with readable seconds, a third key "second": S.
{"hour": 6, "minute": 4, "second": 43}
